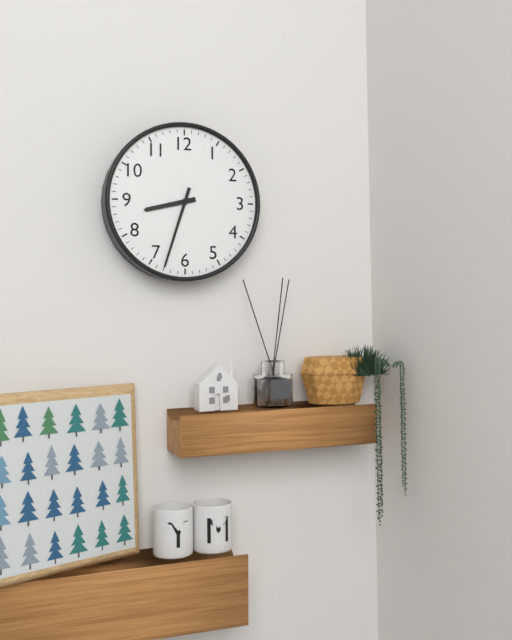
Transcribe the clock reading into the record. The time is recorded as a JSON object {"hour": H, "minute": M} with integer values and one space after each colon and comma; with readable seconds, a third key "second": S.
{"hour": 8, "minute": 33}
